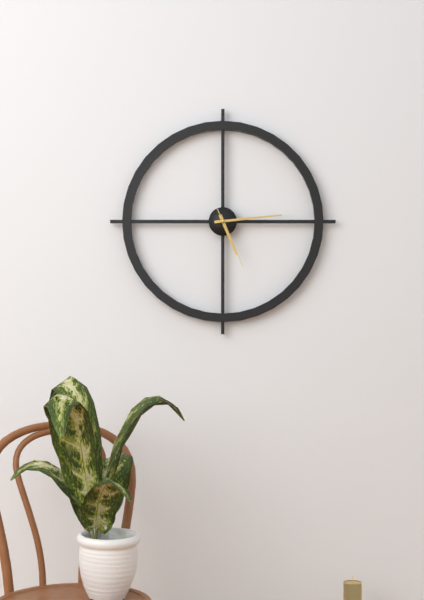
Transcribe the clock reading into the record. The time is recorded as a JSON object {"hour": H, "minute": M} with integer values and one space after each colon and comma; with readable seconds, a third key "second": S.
{"hour": 5, "minute": 14, "second": 26}
